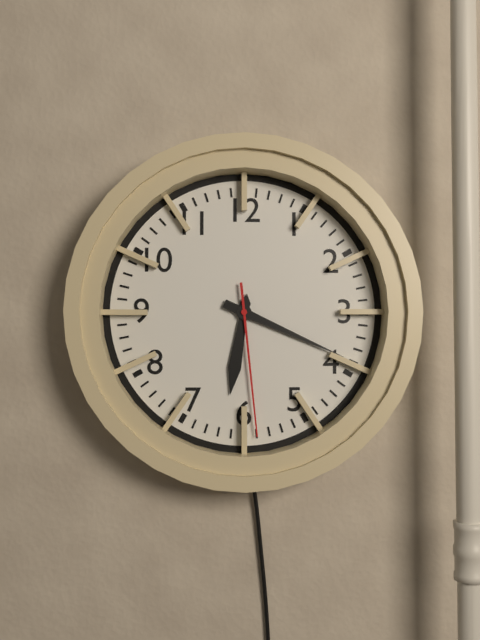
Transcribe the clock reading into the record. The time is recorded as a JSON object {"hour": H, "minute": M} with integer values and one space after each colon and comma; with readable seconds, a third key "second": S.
{"hour": 6, "minute": 19, "second": 29}
